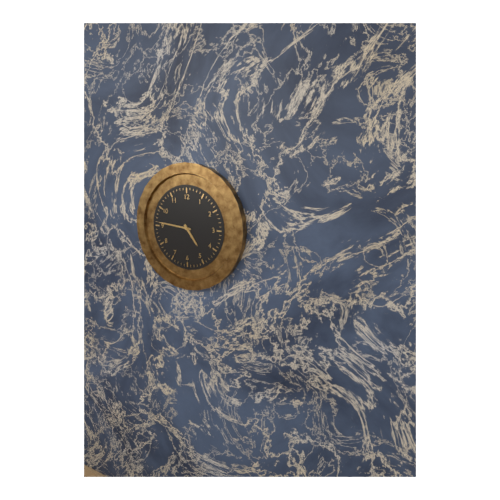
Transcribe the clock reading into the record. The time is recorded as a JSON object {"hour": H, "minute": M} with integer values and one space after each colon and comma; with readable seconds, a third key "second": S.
{"hour": 4, "minute": 46}
